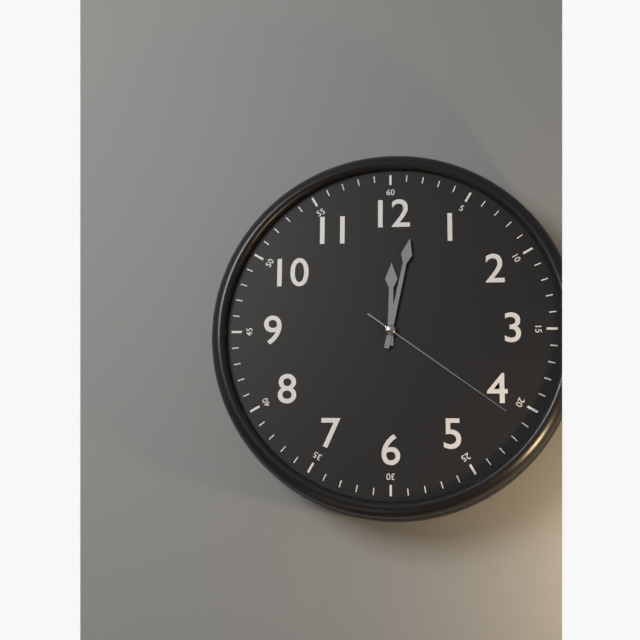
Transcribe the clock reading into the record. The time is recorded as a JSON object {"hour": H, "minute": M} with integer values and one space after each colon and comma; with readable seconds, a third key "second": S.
{"hour": 12, "minute": 2, "second": 21}
